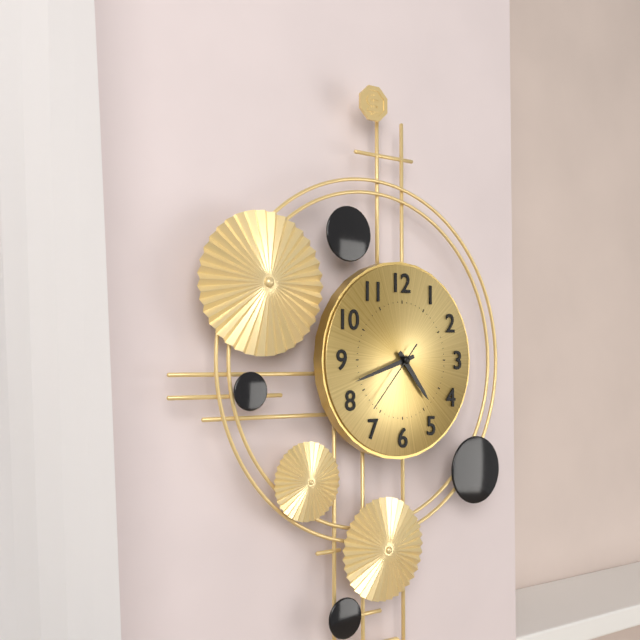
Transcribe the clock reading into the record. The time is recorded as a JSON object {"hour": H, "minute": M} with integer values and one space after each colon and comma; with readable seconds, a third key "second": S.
{"hour": 4, "minute": 42, "second": 37}
